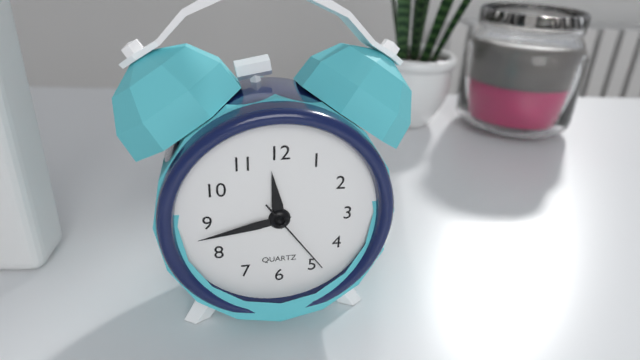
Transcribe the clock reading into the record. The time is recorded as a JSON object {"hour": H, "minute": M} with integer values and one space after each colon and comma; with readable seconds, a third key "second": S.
{"hour": 11, "minute": 43, "second": 24}
